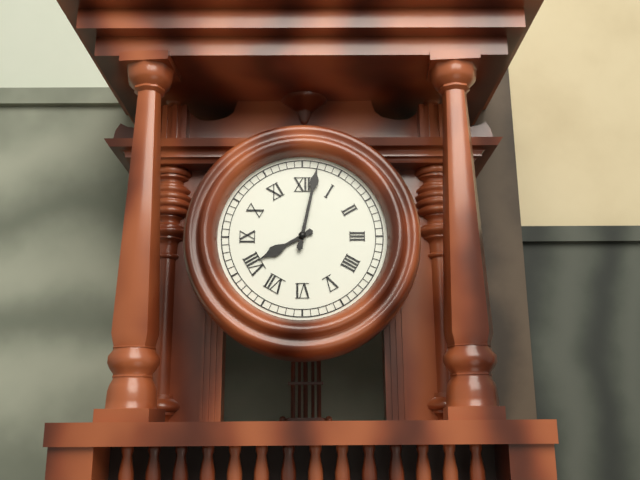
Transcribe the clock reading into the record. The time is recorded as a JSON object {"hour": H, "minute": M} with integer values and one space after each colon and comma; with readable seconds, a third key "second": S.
{"hour": 8, "minute": 2}
